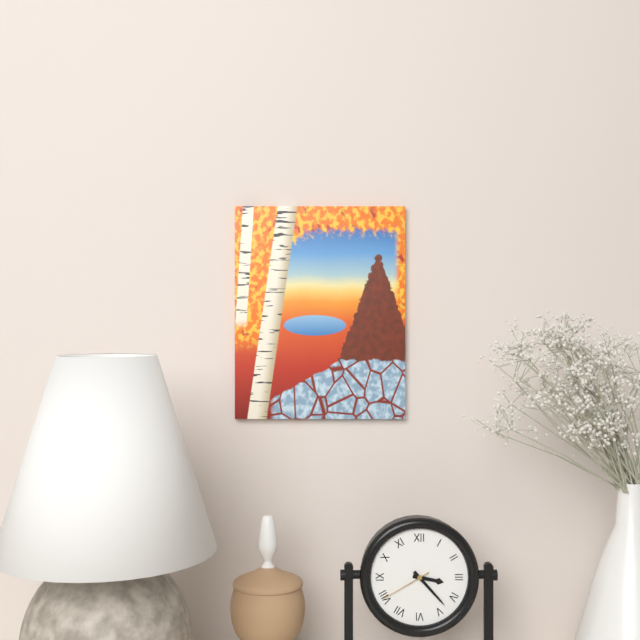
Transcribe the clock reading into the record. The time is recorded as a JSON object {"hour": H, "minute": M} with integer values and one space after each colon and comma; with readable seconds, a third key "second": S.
{"hour": 3, "minute": 23, "second": 40}
